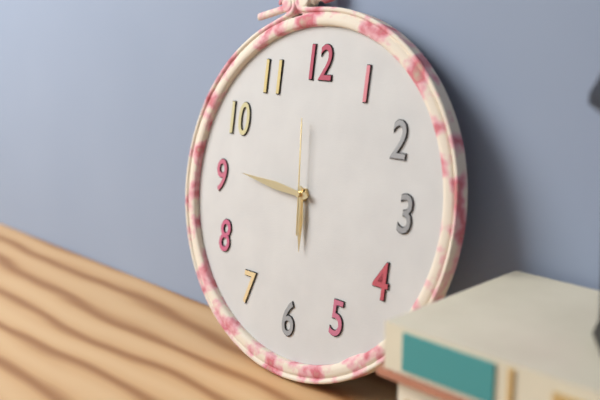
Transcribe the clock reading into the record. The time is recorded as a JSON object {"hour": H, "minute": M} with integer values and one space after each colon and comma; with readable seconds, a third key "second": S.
{"hour": 5, "minute": 46, "second": 59}
